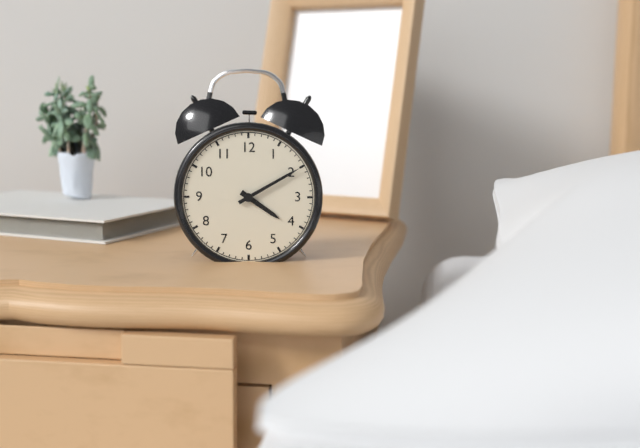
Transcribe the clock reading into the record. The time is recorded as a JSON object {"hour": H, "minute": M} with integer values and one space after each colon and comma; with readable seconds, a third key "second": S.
{"hour": 4, "minute": 10}
